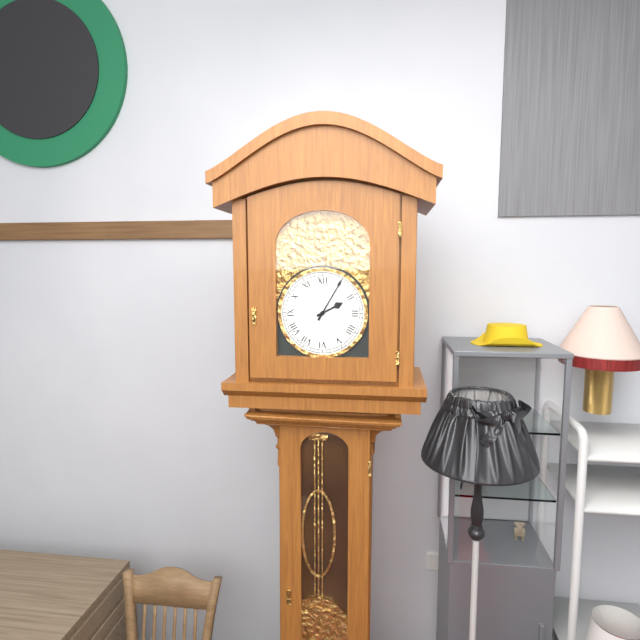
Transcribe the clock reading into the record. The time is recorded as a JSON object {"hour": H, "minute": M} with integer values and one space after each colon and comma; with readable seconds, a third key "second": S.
{"hour": 2, "minute": 5}
